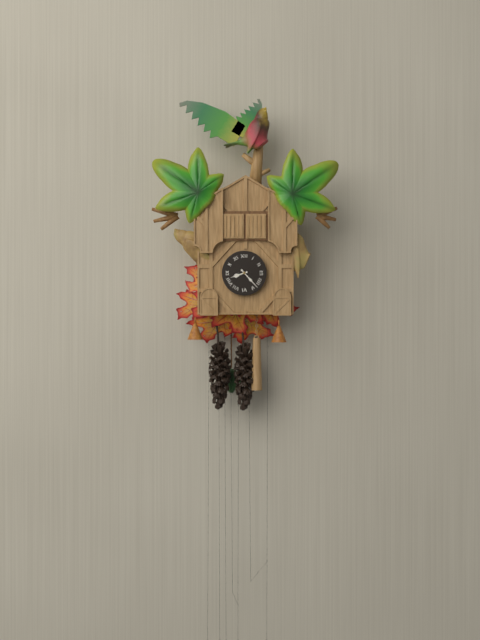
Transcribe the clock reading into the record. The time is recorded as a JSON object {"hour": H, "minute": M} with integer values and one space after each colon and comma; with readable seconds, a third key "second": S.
{"hour": 8, "minute": 23}
